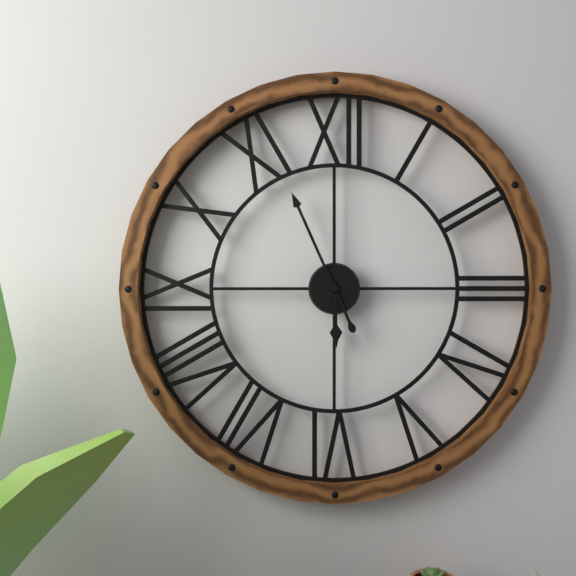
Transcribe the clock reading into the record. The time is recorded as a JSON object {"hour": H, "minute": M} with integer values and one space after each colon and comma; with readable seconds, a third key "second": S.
{"hour": 5, "minute": 56}
